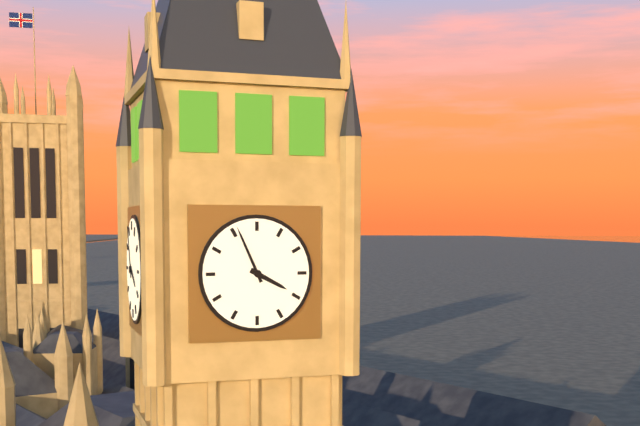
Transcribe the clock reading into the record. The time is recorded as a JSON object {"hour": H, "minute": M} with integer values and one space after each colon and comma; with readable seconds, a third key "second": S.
{"hour": 3, "minute": 56}
